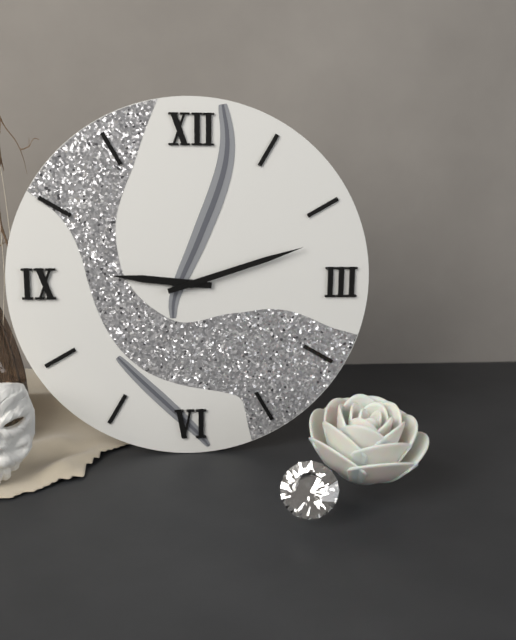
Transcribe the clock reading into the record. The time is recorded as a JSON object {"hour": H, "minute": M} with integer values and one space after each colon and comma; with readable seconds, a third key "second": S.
{"hour": 9, "minute": 12}
